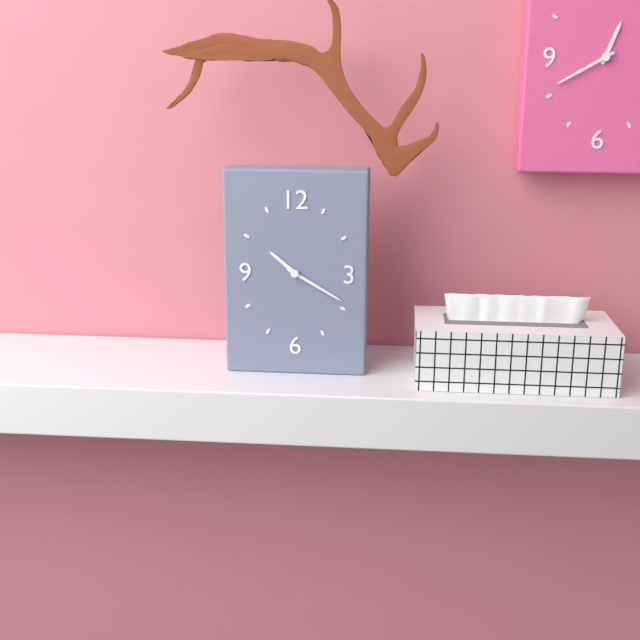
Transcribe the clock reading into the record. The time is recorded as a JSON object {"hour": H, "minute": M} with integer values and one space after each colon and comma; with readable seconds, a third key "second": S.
{"hour": 10, "minute": 20}
